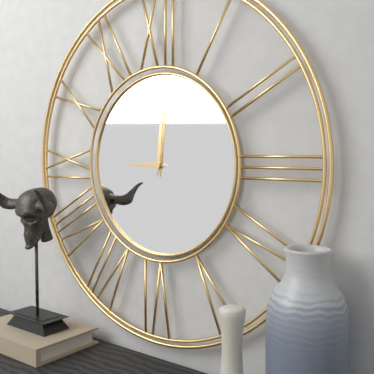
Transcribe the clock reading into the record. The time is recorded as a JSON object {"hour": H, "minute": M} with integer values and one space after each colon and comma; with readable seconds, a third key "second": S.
{"hour": 9, "minute": 1}
